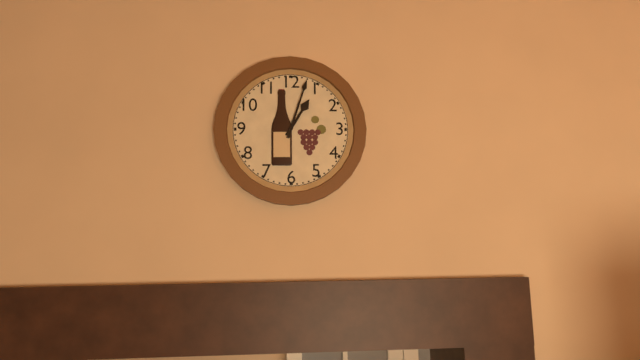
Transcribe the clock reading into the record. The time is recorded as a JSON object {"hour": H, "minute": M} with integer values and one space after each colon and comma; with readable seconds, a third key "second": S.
{"hour": 1, "minute": 3}
